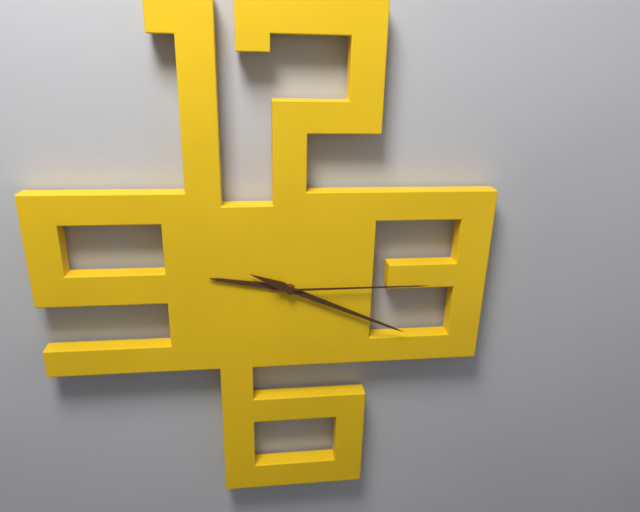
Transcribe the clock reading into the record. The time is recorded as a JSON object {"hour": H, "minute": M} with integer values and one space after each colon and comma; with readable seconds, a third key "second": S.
{"hour": 9, "minute": 19, "second": 15}
